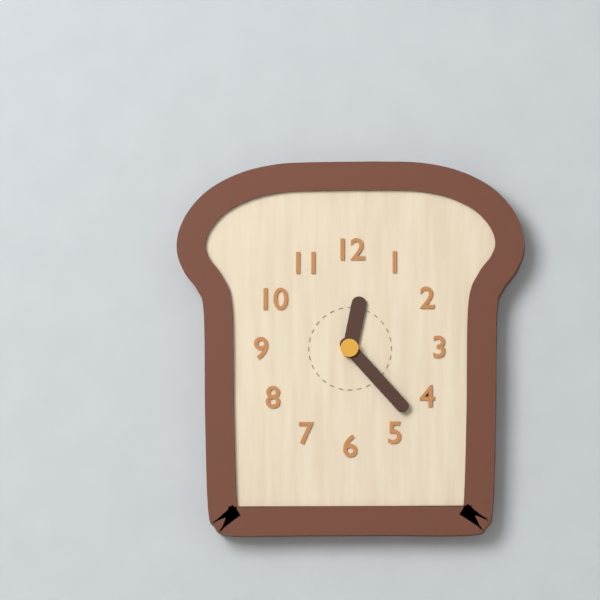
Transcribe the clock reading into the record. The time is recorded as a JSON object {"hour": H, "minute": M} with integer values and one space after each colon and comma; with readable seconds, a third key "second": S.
{"hour": 12, "minute": 23}
